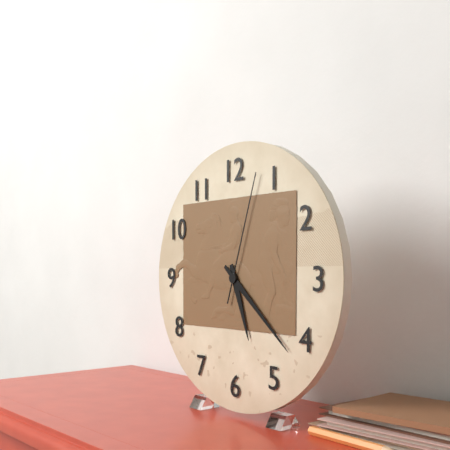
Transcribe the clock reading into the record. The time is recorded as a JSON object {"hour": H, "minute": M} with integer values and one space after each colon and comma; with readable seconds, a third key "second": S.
{"hour": 5, "minute": 22, "second": 3}
